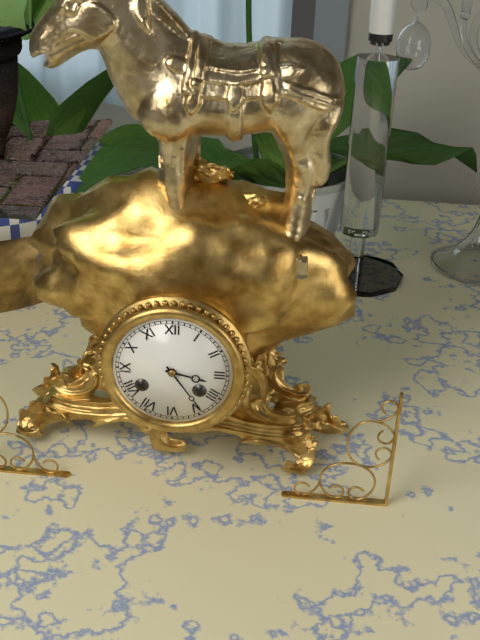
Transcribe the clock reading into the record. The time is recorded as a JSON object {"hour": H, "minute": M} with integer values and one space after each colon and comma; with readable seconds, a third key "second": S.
{"hour": 3, "minute": 24}
